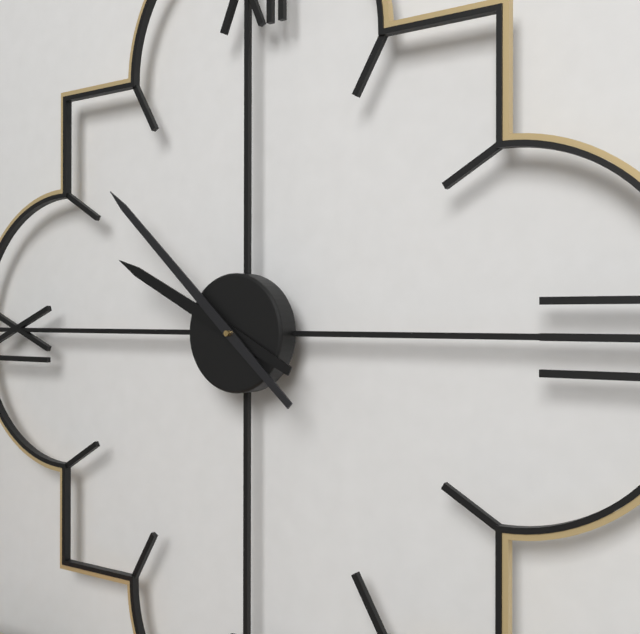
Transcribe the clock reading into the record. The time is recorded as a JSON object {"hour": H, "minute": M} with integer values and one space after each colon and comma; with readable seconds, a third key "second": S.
{"hour": 9, "minute": 52}
